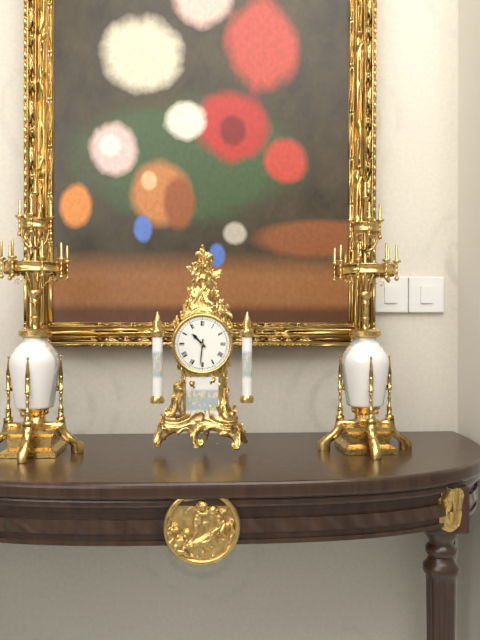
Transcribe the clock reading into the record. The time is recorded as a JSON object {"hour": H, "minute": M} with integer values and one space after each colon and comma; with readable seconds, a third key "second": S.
{"hour": 10, "minute": 31}
